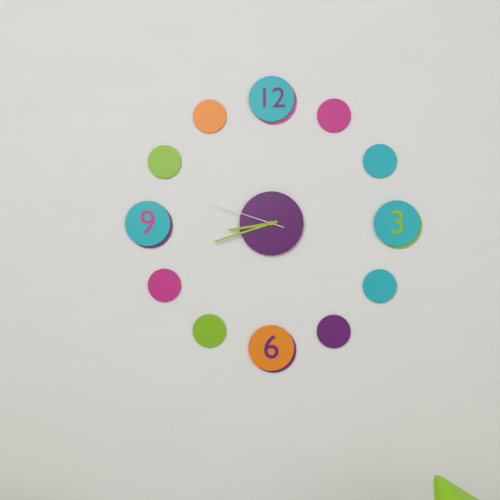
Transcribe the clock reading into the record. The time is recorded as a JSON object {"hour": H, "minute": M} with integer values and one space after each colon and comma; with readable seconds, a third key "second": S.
{"hour": 8, "minute": 42, "second": 48}
